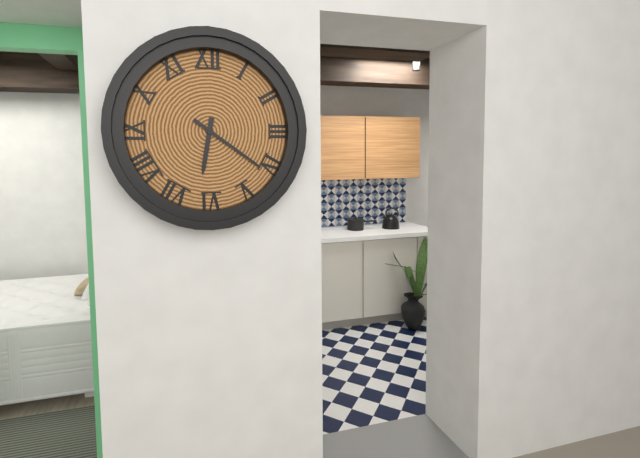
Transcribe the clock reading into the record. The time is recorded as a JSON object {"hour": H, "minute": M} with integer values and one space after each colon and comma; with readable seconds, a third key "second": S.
{"hour": 6, "minute": 21}
